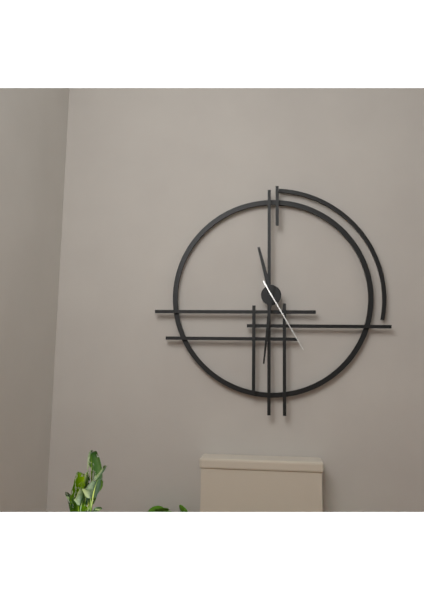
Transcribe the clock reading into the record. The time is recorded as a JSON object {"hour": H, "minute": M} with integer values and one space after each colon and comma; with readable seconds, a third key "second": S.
{"hour": 11, "minute": 31, "second": 25}
